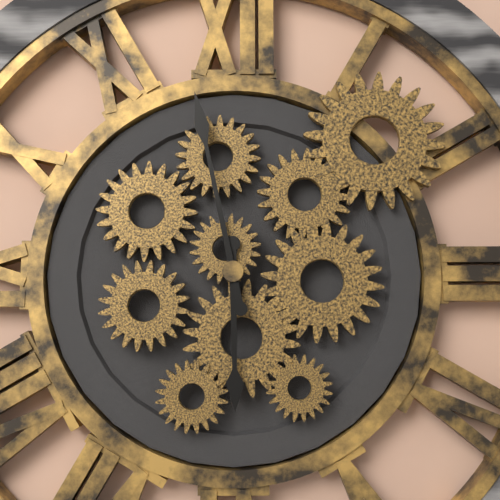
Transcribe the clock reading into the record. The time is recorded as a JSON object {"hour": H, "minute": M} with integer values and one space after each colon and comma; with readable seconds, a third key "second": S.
{"hour": 5, "minute": 58}
